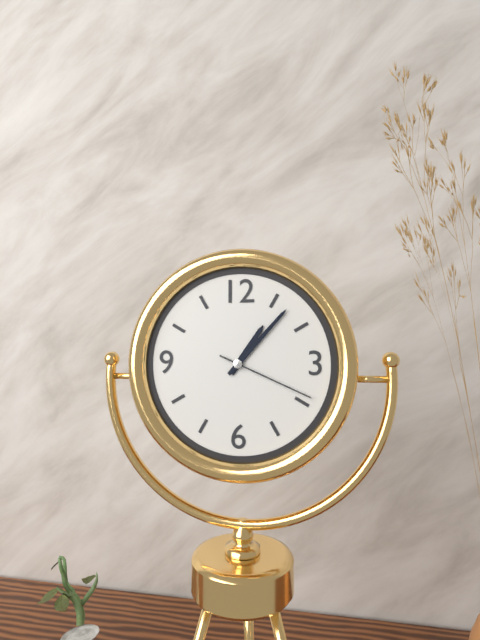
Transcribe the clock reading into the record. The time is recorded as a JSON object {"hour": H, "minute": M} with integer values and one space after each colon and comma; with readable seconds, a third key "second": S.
{"hour": 1, "minute": 7, "second": 19}
